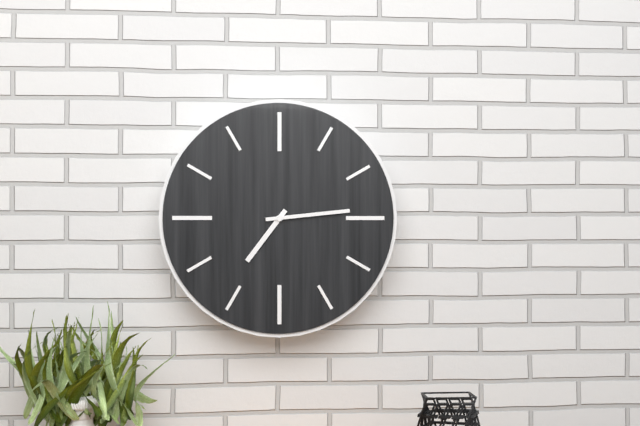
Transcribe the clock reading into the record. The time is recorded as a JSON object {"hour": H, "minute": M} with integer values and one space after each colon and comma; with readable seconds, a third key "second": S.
{"hour": 7, "minute": 14}
